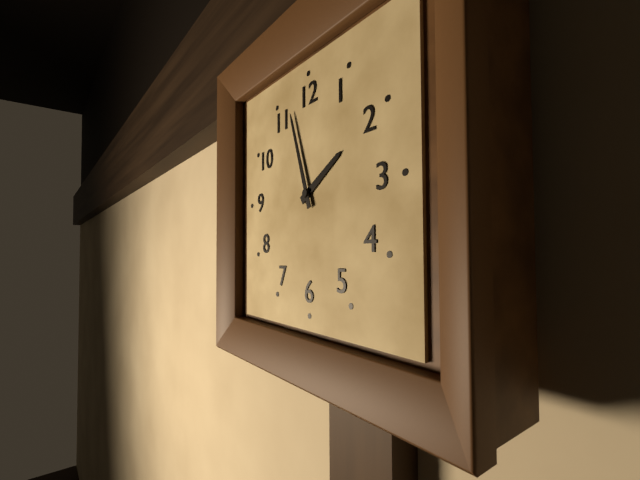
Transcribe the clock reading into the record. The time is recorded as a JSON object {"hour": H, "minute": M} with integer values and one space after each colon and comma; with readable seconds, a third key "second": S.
{"hour": 1, "minute": 57}
